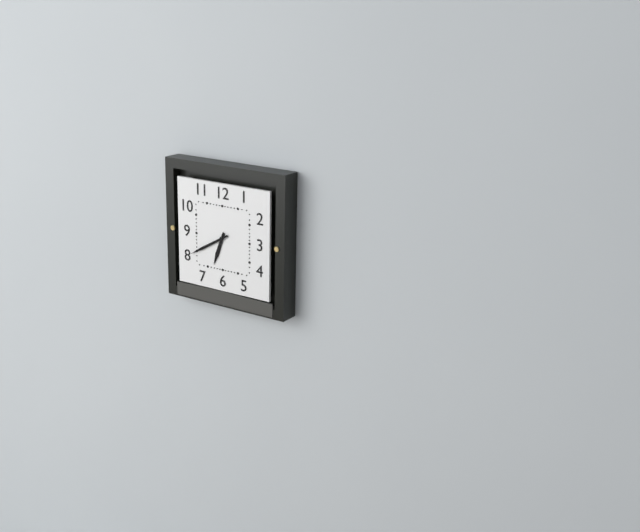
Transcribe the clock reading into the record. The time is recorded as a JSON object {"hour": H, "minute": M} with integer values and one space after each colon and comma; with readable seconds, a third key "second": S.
{"hour": 6, "minute": 40}
